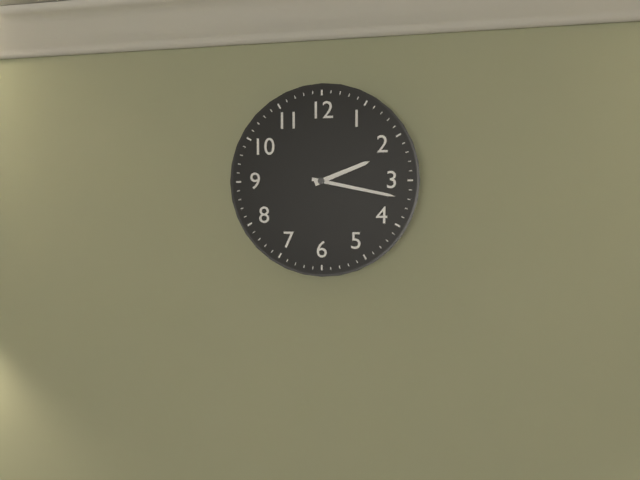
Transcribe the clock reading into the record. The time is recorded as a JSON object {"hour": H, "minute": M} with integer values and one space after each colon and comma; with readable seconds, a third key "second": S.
{"hour": 2, "minute": 17}
